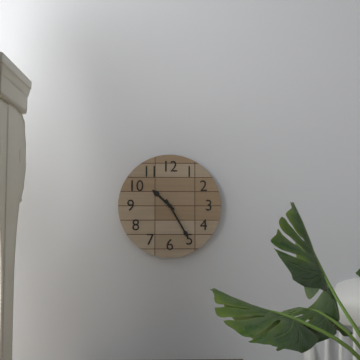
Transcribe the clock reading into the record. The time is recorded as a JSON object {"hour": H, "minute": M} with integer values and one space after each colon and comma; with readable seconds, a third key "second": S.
{"hour": 10, "minute": 25}
